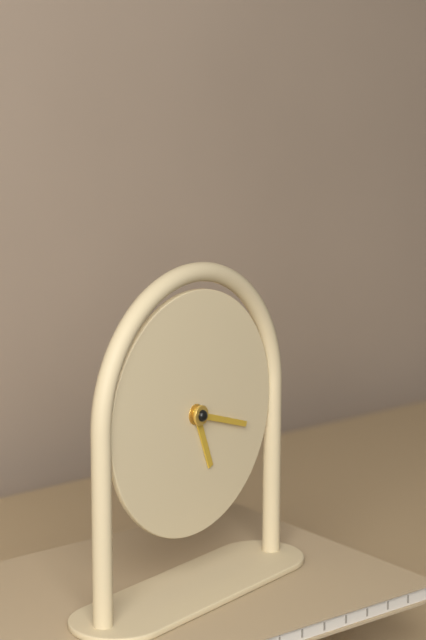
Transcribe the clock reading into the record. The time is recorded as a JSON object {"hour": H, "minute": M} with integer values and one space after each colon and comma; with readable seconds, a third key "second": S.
{"hour": 5, "minute": 18}
